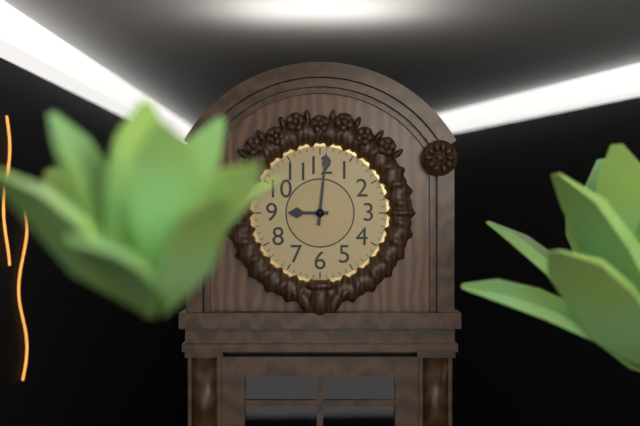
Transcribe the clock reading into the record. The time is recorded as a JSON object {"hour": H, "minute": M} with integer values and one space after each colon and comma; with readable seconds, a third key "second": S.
{"hour": 9, "minute": 1}
